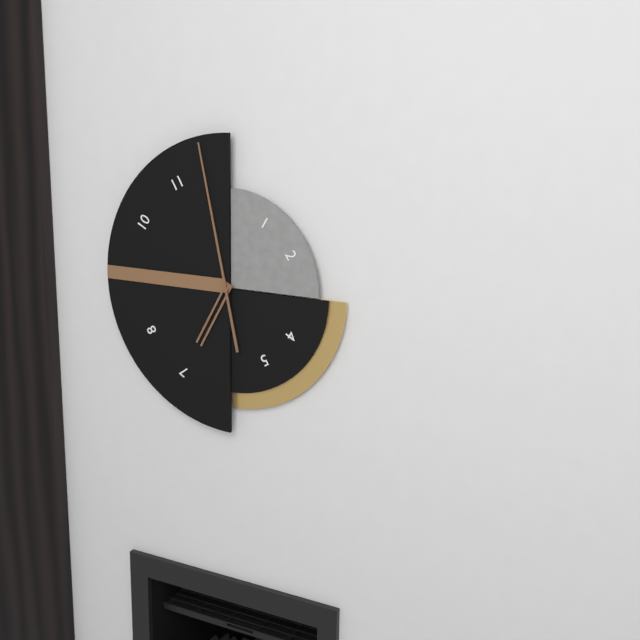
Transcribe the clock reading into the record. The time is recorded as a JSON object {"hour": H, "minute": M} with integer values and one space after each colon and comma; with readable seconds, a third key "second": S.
{"hour": 6, "minute": 58}
